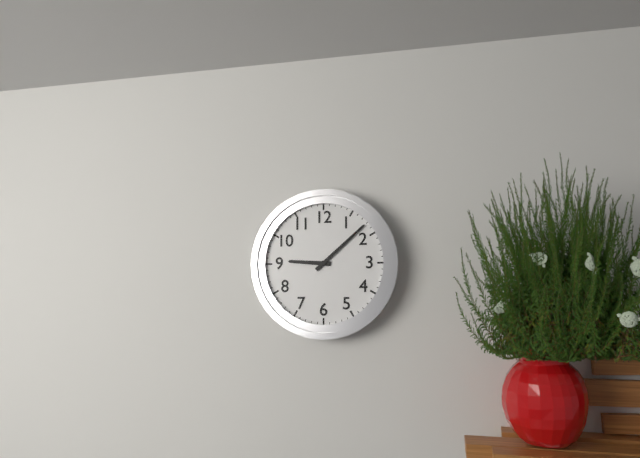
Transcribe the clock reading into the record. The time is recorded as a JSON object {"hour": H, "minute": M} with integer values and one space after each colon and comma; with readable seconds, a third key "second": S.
{"hour": 9, "minute": 8}
